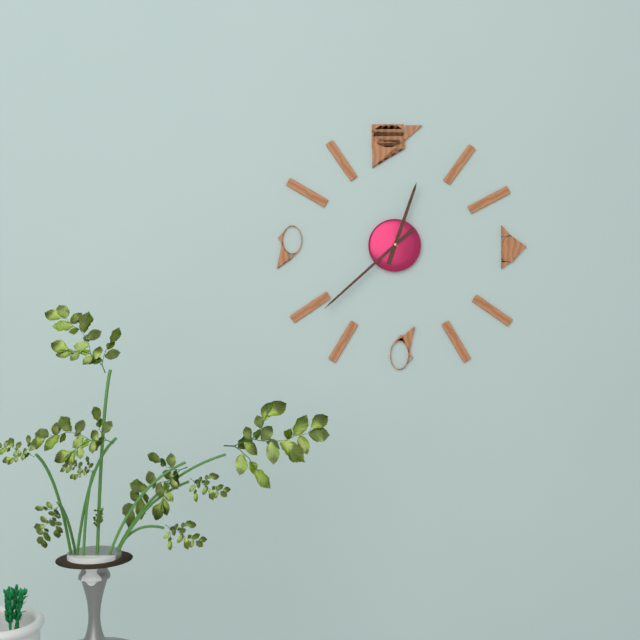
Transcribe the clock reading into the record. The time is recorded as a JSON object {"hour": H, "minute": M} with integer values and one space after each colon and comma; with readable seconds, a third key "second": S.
{"hour": 12, "minute": 38}
